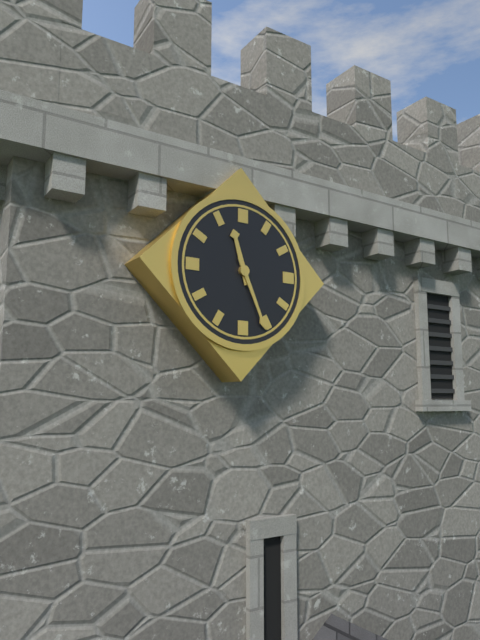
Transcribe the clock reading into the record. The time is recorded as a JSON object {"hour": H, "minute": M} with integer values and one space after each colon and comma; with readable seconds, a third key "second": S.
{"hour": 11, "minute": 26}
